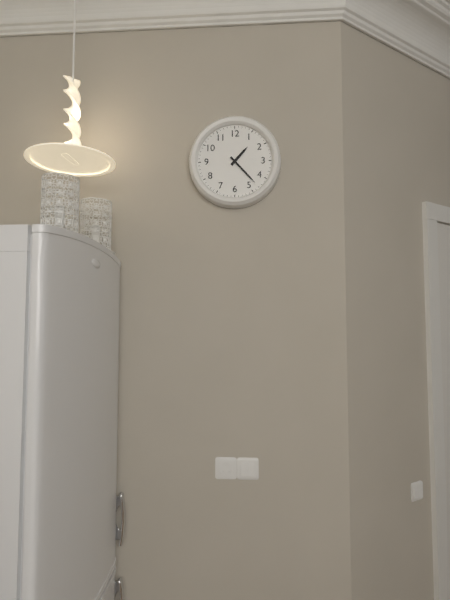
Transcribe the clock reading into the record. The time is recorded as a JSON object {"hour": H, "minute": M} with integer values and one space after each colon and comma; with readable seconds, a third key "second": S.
{"hour": 1, "minute": 23}
